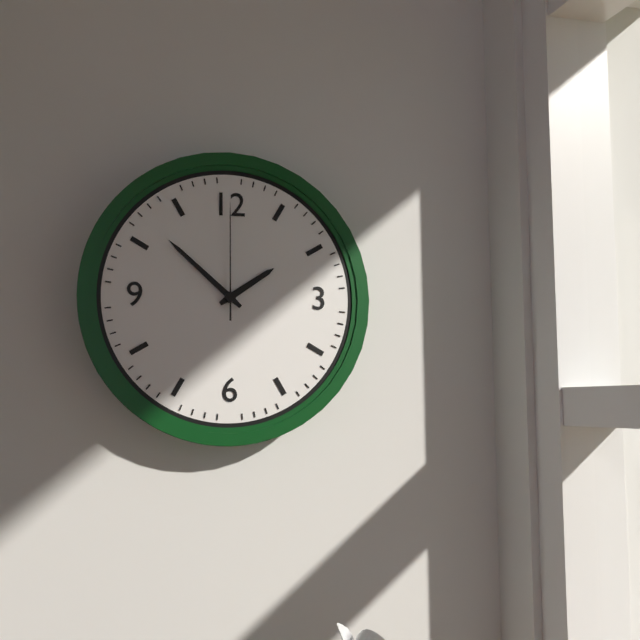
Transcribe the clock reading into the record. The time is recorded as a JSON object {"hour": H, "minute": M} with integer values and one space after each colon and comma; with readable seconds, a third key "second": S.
{"hour": 1, "minute": 52, "second": 0}
